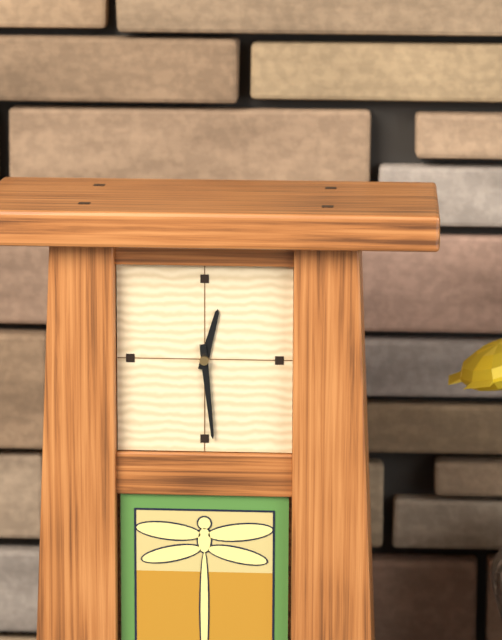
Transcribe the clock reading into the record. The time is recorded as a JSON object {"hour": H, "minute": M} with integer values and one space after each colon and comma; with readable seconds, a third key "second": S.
{"hour": 12, "minute": 29}
